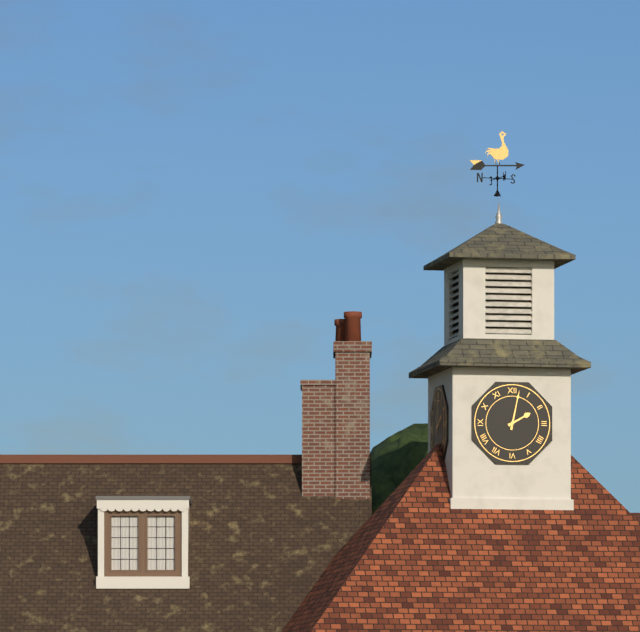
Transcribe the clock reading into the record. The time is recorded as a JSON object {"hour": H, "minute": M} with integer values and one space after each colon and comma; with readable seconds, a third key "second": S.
{"hour": 2, "minute": 2}
